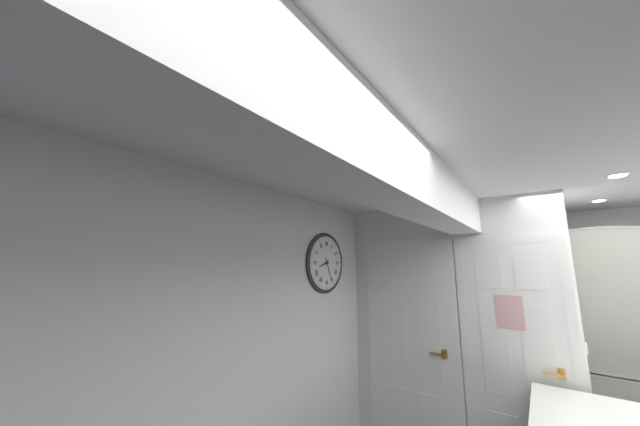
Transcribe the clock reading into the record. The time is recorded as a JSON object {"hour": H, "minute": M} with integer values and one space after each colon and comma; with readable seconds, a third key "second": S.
{"hour": 8, "minute": 26}
